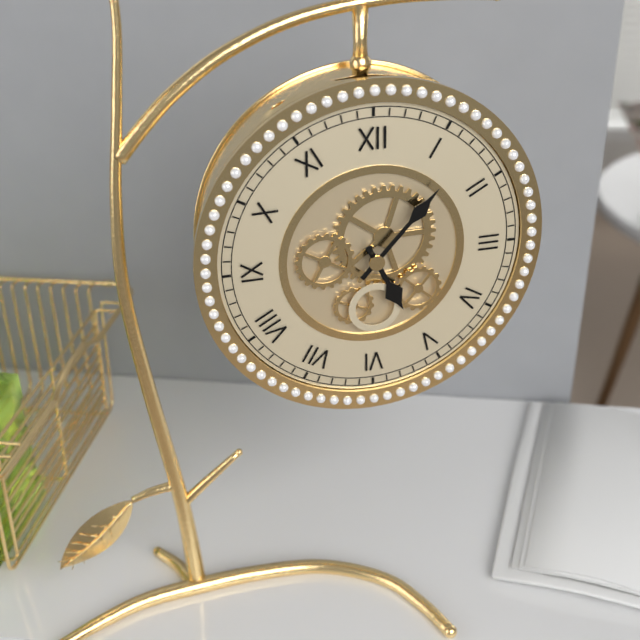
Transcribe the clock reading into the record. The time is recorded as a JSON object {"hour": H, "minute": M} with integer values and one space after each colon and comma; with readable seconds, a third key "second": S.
{"hour": 5, "minute": 7}
